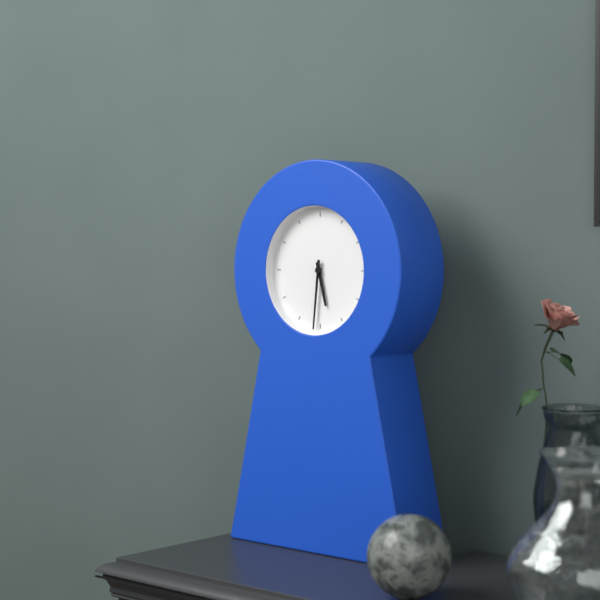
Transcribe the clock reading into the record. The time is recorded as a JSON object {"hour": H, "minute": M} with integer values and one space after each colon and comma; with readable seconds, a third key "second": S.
{"hour": 5, "minute": 31}
